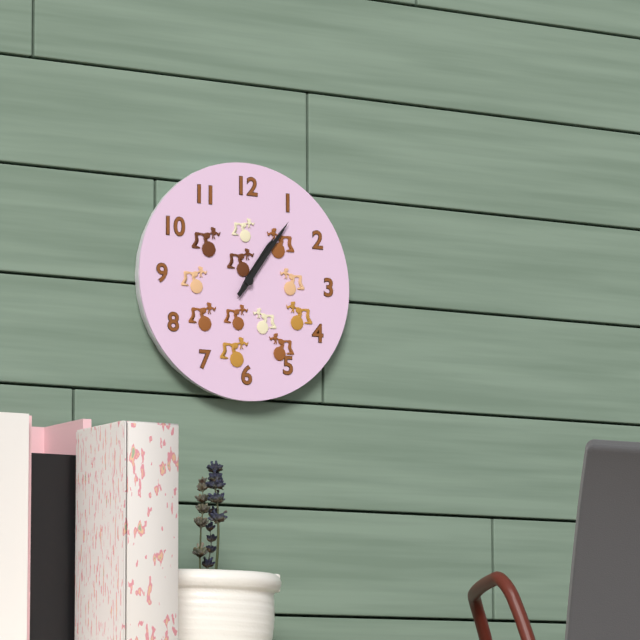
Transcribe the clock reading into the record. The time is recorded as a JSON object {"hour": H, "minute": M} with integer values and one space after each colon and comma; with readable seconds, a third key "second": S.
{"hour": 1, "minute": 6}
